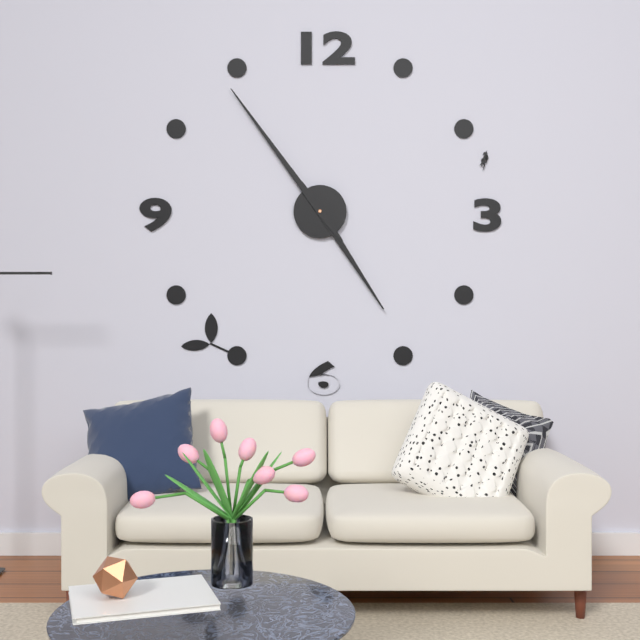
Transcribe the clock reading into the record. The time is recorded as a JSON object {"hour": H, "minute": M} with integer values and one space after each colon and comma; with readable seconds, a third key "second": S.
{"hour": 4, "minute": 54}
